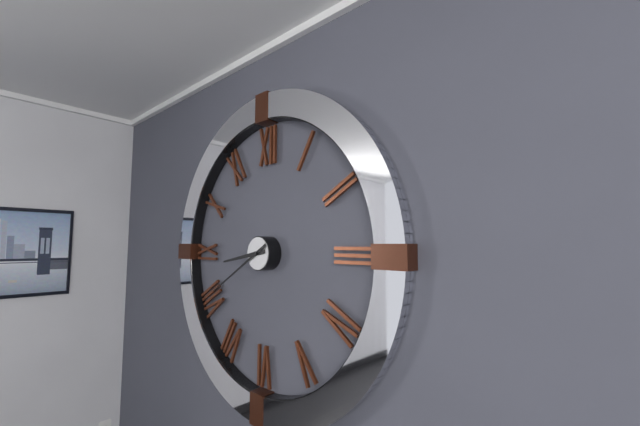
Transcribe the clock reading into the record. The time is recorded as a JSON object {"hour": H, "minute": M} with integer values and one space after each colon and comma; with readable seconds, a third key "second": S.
{"hour": 8, "minute": 40}
